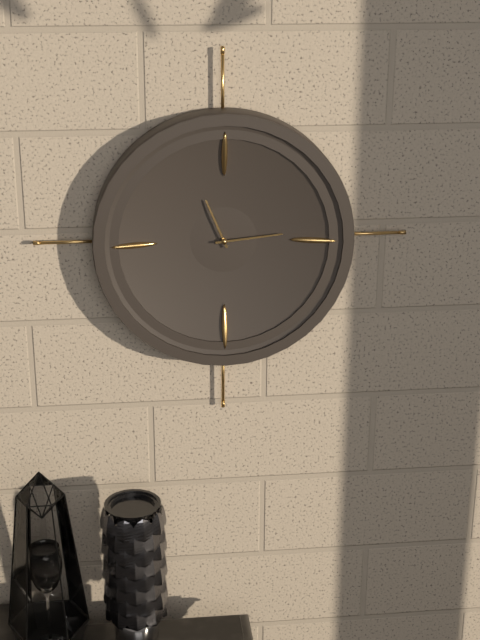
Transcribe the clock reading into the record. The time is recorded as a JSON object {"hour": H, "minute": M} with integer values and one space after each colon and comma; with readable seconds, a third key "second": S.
{"hour": 11, "minute": 14}
